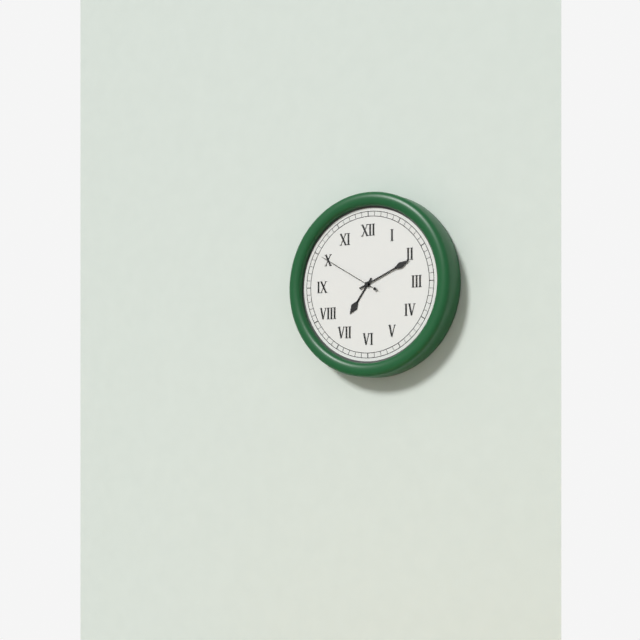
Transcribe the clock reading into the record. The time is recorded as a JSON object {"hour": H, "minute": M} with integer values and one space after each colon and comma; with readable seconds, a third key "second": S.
{"hour": 7, "minute": 11, "second": 50}
